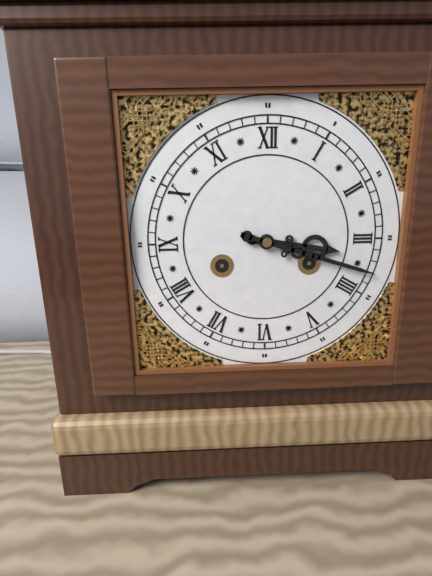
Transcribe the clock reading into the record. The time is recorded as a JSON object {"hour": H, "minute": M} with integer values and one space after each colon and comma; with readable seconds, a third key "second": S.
{"hour": 3, "minute": 18}
